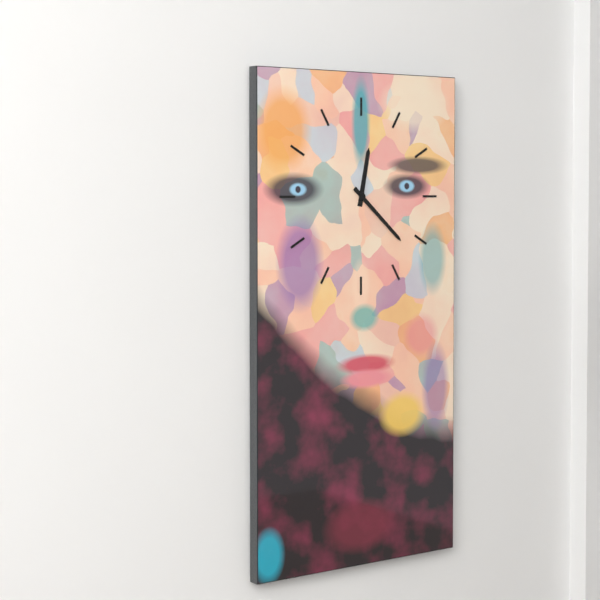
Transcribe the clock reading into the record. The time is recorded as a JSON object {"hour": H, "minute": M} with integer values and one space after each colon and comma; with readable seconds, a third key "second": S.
{"hour": 12, "minute": 22}
